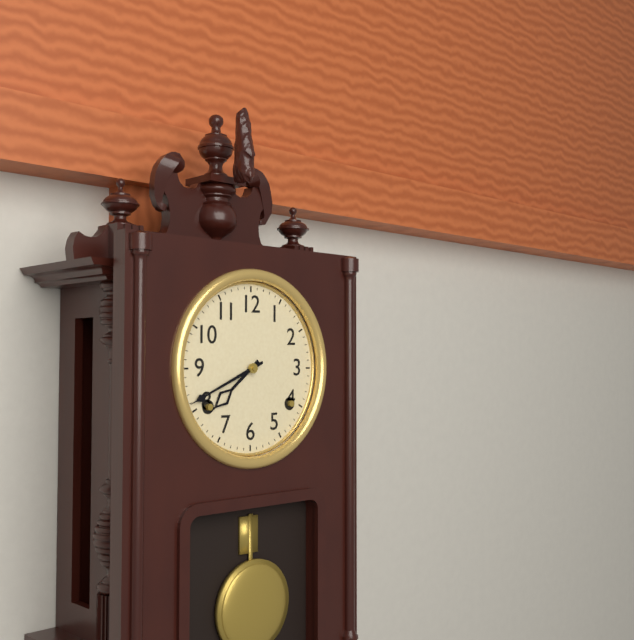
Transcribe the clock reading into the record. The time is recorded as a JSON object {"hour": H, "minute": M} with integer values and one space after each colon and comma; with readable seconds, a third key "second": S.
{"hour": 7, "minute": 41}
